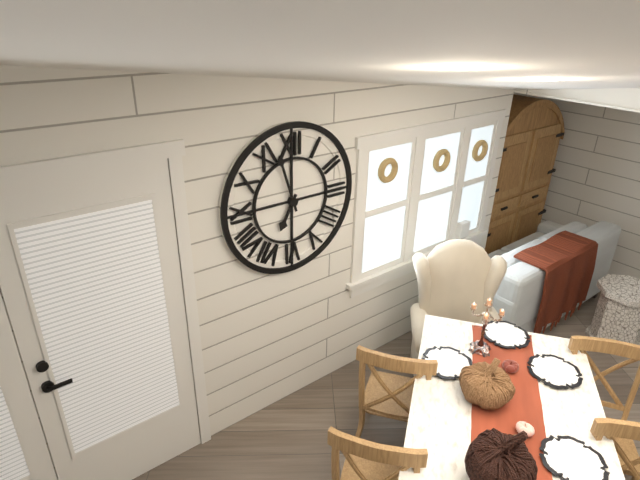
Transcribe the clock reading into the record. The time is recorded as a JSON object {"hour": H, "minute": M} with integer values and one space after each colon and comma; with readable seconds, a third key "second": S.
{"hour": 6, "minute": 57}
